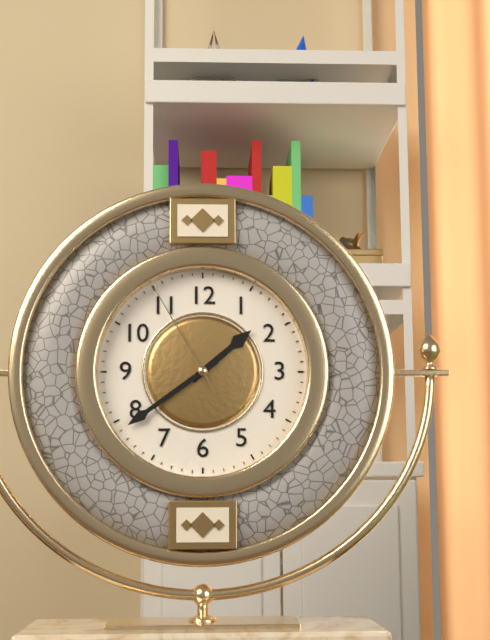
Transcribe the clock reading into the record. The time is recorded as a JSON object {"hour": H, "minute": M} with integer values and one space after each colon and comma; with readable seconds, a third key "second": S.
{"hour": 1, "minute": 39, "second": 55}
